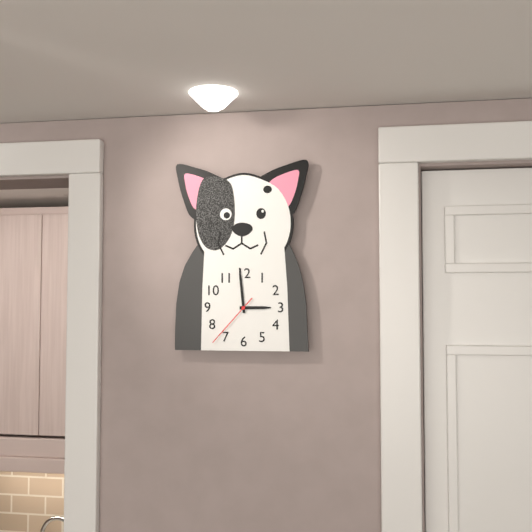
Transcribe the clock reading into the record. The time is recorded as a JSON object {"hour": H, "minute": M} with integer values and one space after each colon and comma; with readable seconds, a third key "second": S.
{"hour": 2, "minute": 59, "second": 37}
